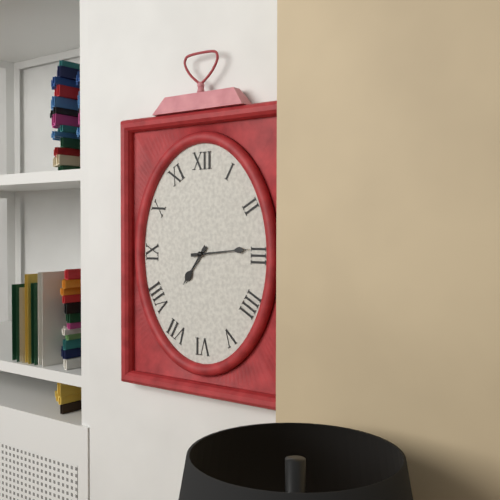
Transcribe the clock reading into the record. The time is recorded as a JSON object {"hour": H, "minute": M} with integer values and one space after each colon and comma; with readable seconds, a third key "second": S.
{"hour": 7, "minute": 14}
